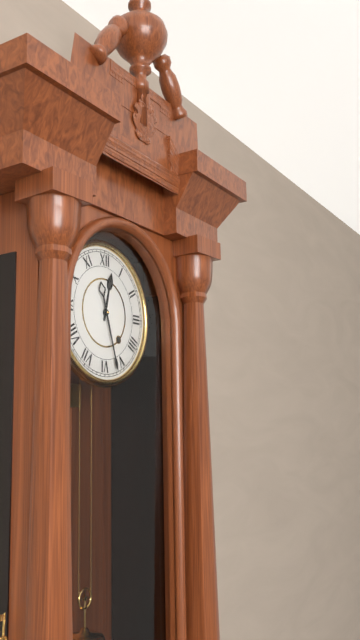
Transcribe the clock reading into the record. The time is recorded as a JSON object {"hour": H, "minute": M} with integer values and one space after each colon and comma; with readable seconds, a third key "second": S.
{"hour": 12, "minute": 27}
